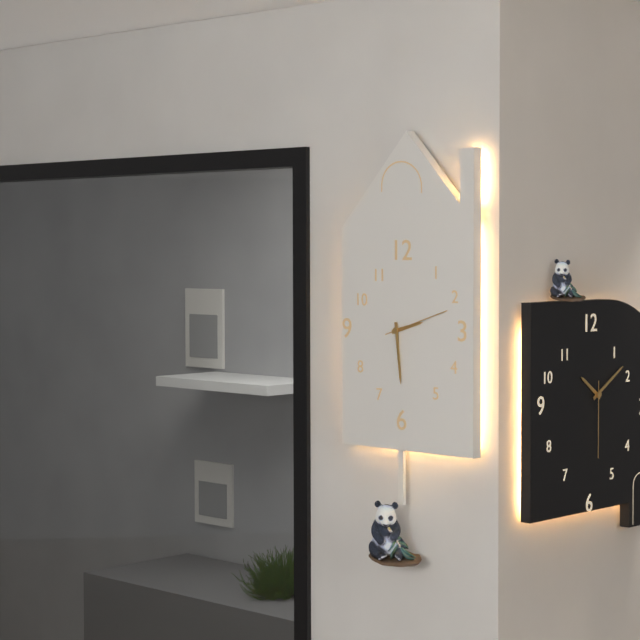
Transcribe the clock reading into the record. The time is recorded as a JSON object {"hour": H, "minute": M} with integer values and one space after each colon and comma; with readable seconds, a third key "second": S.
{"hour": 2, "minute": 29, "second": 12}
